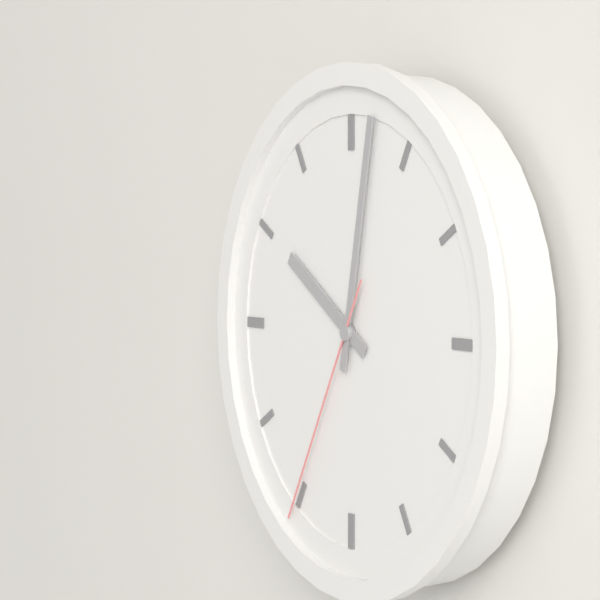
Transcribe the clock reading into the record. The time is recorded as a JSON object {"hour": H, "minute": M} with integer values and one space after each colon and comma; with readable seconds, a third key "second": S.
{"hour": 10, "minute": 2, "second": 35}
